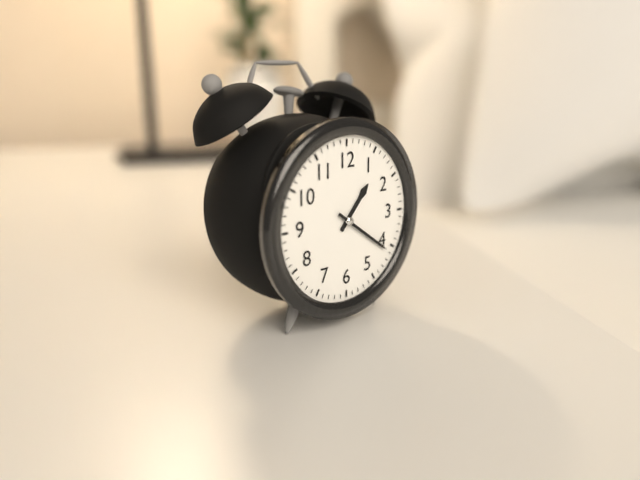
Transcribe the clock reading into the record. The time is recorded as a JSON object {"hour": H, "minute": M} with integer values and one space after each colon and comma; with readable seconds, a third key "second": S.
{"hour": 1, "minute": 21}
